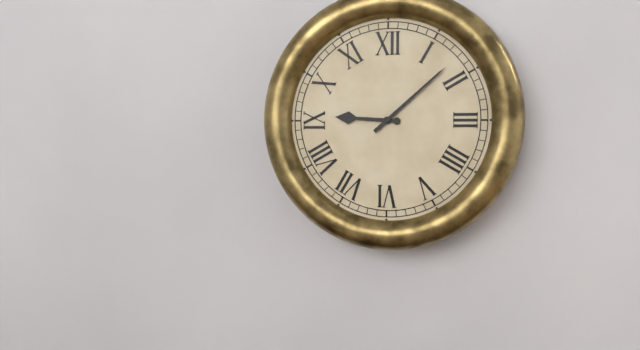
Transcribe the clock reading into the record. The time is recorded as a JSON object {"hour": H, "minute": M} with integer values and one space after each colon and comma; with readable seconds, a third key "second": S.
{"hour": 9, "minute": 8}
